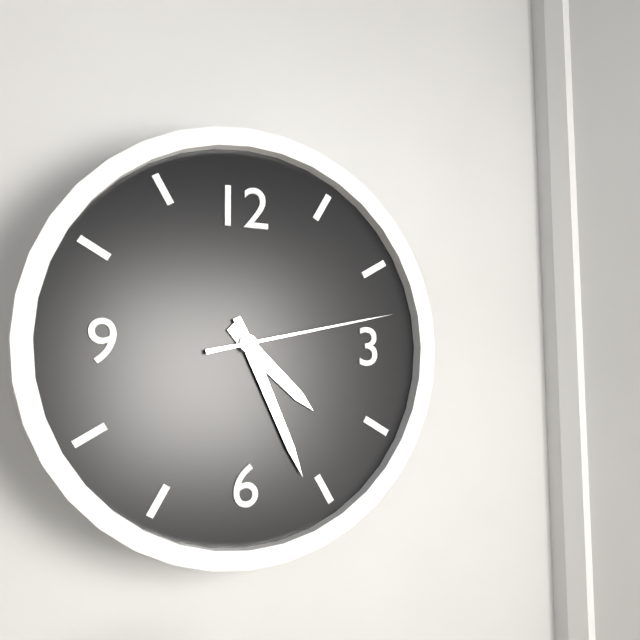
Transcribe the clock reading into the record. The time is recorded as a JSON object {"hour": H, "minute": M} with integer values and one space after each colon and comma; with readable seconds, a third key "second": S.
{"hour": 4, "minute": 26, "second": 13}
